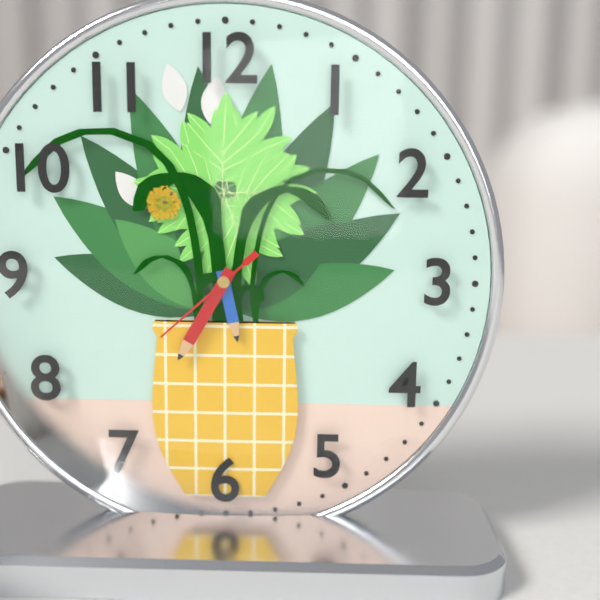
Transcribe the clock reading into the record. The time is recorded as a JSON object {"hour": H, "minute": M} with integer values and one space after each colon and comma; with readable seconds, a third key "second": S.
{"hour": 5, "minute": 35, "second": 38}
